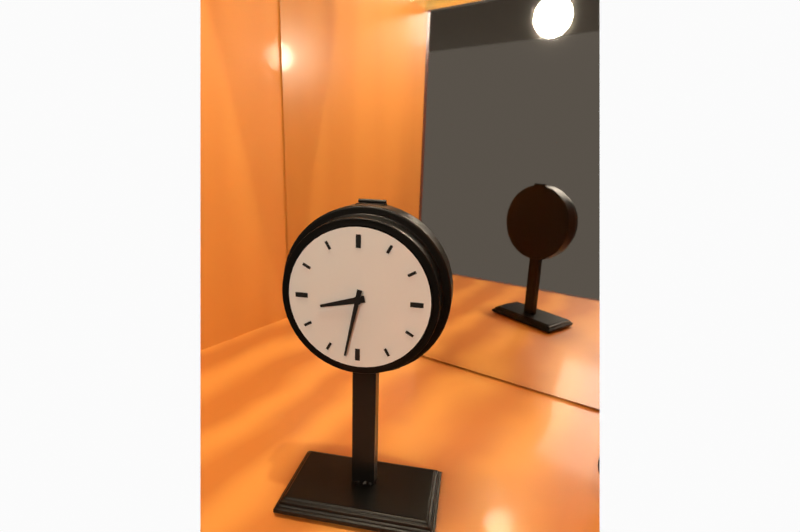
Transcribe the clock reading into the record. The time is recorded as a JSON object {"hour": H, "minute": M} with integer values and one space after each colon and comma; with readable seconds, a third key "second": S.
{"hour": 8, "minute": 32}
